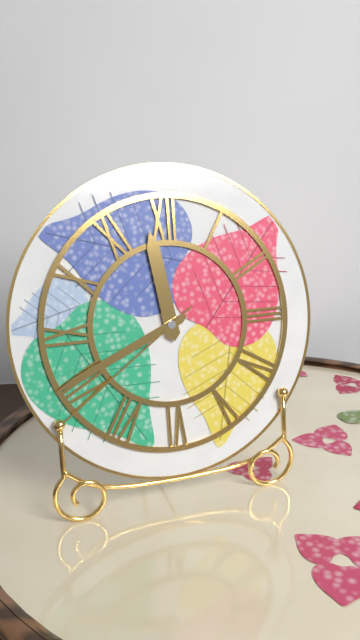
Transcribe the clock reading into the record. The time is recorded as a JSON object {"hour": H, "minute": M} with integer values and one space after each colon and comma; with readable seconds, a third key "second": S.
{"hour": 11, "minute": 41, "second": 39}
